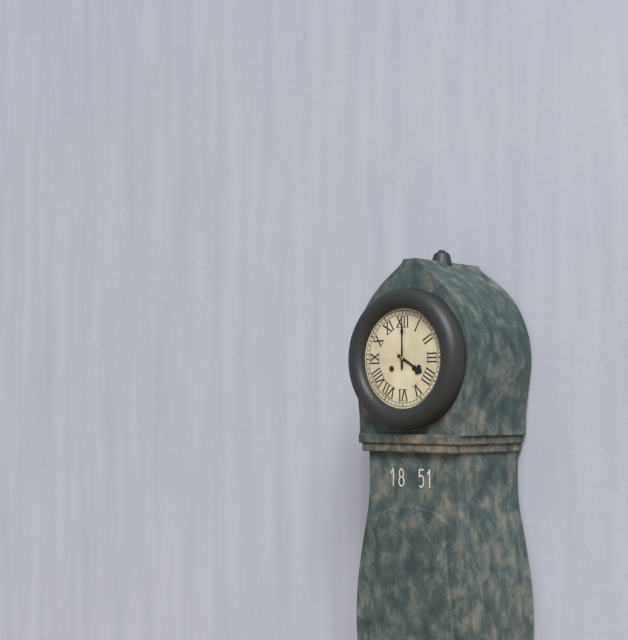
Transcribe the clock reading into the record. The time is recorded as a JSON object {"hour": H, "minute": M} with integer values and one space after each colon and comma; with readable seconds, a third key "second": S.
{"hour": 4, "minute": 0}
